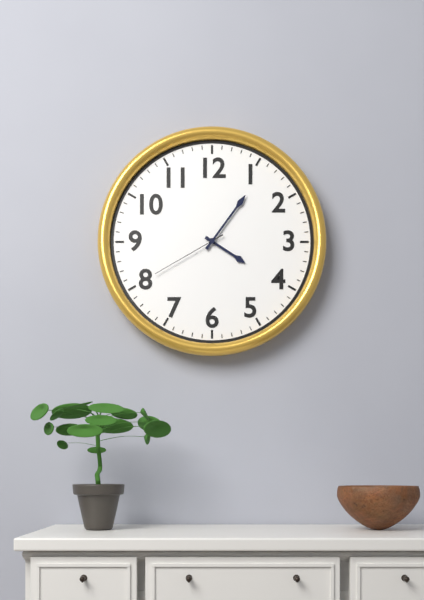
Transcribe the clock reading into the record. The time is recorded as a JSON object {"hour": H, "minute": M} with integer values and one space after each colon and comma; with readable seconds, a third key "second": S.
{"hour": 4, "minute": 6, "second": 40}
